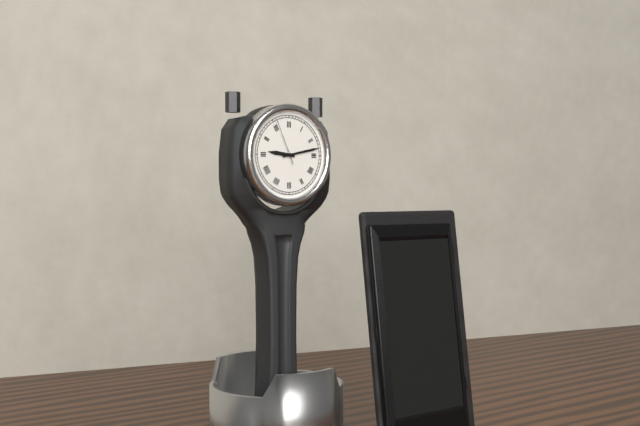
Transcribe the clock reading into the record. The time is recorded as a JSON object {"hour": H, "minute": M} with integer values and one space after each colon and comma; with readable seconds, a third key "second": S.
{"hour": 9, "minute": 13}
